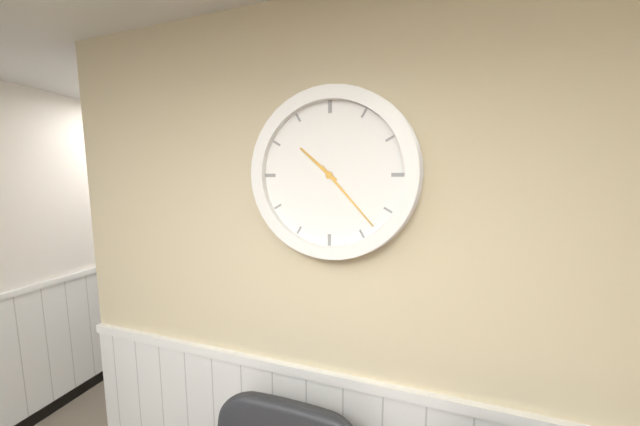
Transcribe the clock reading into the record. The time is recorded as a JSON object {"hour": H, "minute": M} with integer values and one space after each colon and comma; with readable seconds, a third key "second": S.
{"hour": 10, "minute": 23}
